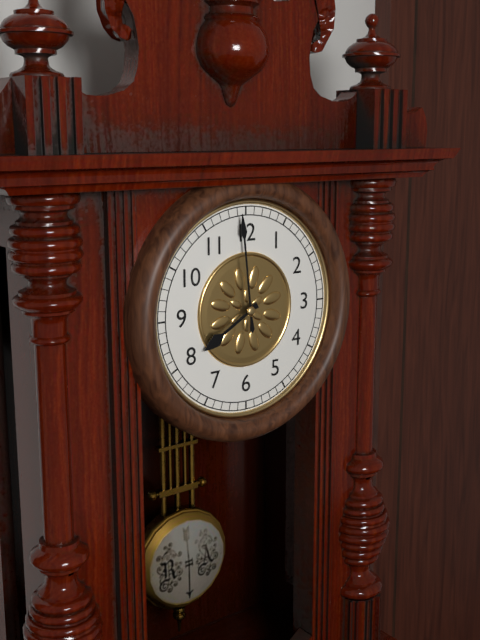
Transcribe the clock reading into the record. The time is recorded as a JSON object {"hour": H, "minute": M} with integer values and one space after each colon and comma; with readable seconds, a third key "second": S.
{"hour": 7, "minute": 59}
